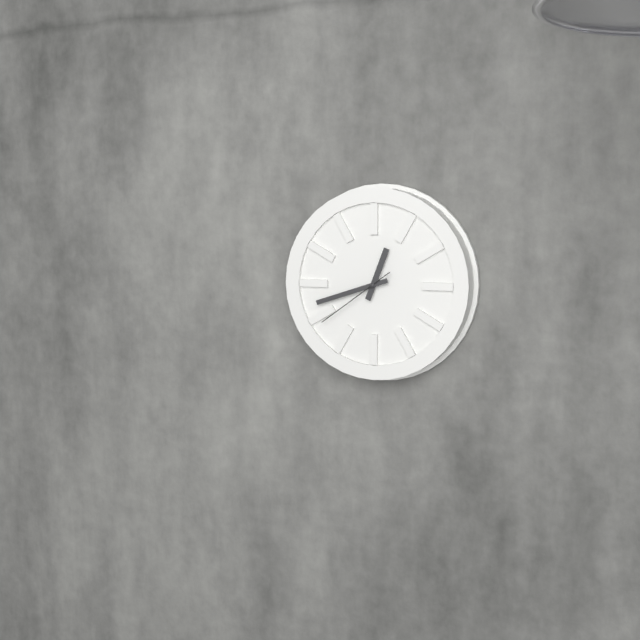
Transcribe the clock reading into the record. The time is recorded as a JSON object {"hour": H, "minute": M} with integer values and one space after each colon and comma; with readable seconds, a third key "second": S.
{"hour": 12, "minute": 42, "second": 39}
